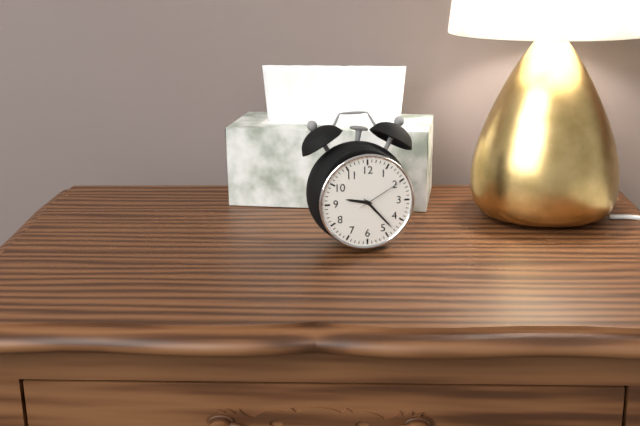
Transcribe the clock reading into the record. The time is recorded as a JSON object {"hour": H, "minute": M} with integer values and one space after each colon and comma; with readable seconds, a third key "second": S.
{"hour": 9, "minute": 23, "second": 10}
